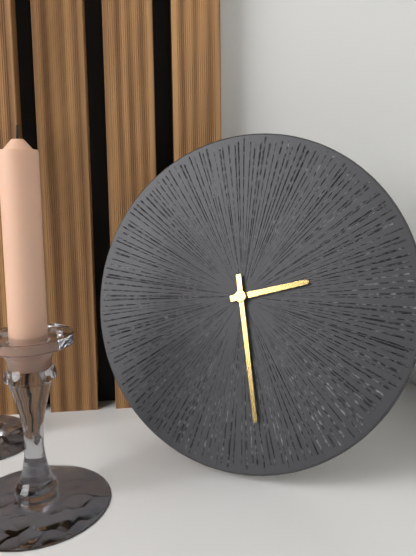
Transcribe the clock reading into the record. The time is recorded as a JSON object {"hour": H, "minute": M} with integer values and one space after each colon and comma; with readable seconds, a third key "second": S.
{"hour": 2, "minute": 28}
